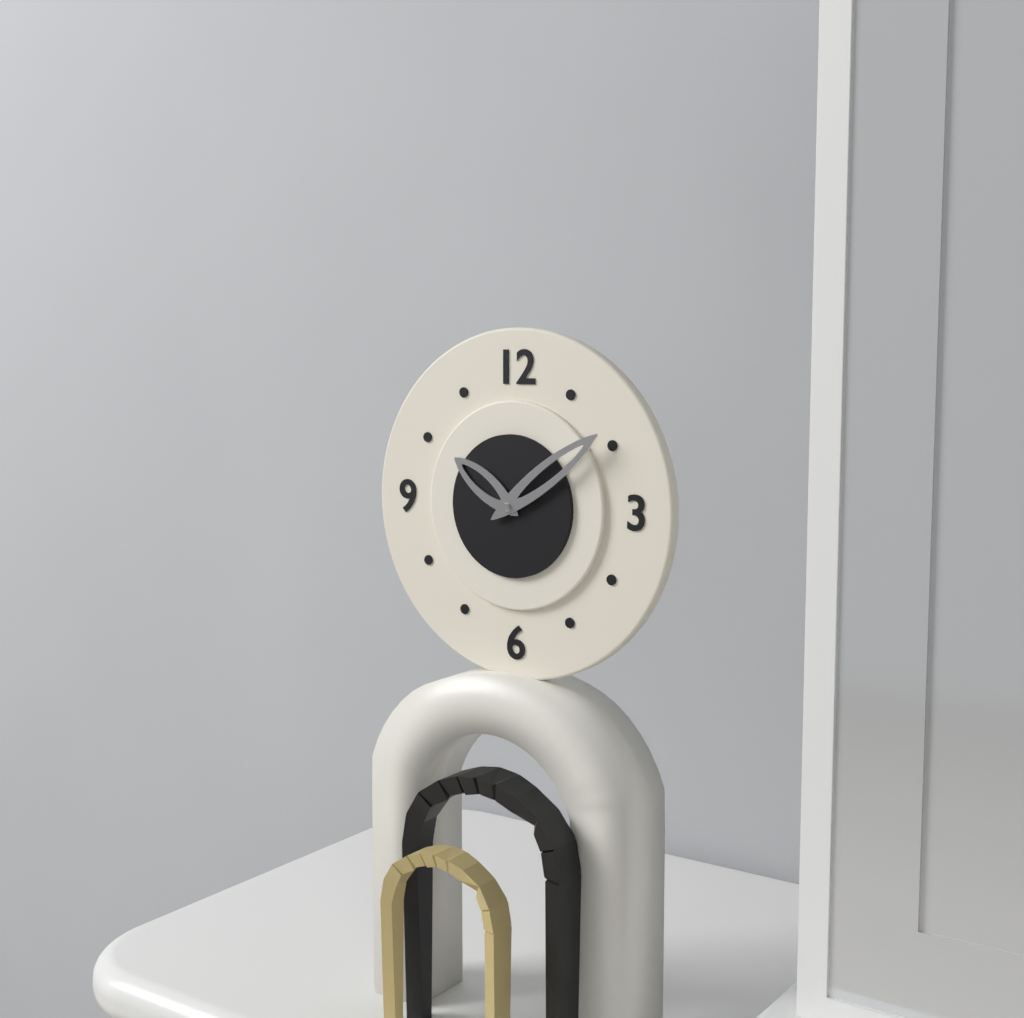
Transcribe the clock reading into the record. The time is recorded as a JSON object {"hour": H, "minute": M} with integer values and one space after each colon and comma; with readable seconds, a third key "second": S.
{"hour": 10, "minute": 9}
